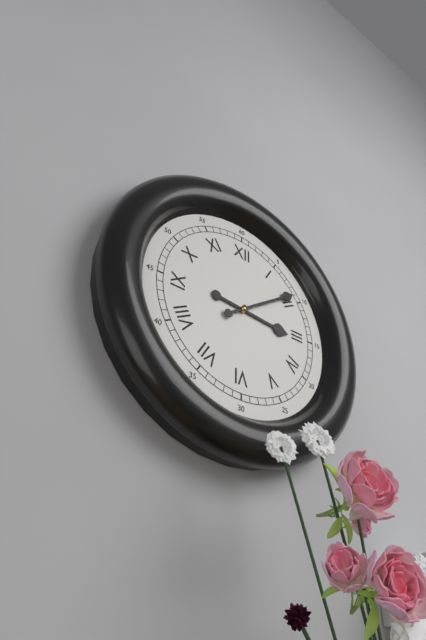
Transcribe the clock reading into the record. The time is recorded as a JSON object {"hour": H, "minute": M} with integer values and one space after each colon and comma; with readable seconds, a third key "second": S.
{"hour": 3, "minute": 9}
